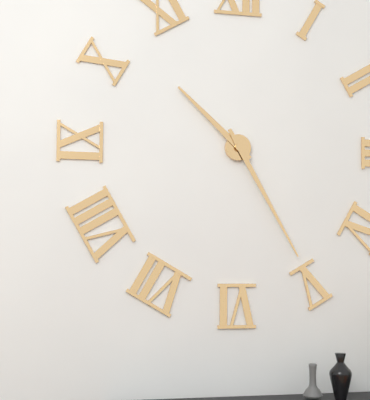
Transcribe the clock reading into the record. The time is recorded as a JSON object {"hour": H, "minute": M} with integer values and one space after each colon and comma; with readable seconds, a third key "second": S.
{"hour": 10, "minute": 25}
